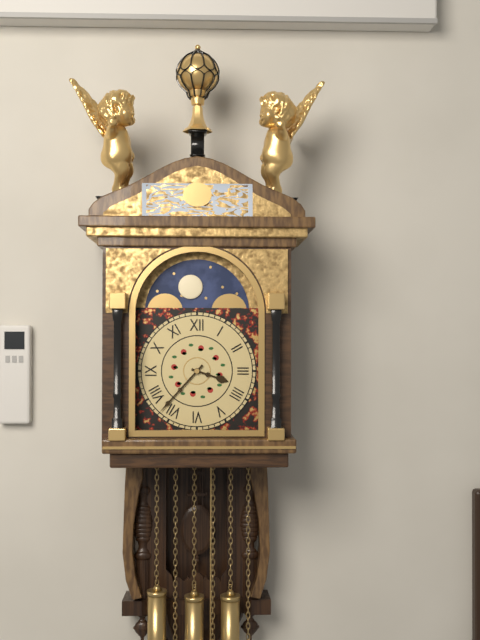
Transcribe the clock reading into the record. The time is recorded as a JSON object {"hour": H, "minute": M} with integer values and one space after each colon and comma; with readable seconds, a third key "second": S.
{"hour": 3, "minute": 37}
